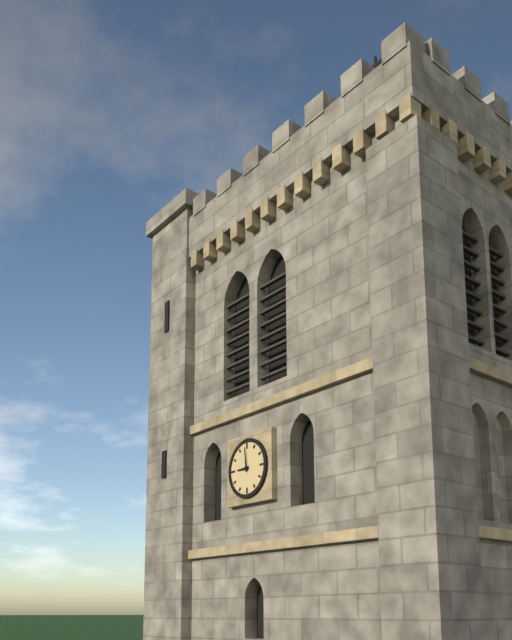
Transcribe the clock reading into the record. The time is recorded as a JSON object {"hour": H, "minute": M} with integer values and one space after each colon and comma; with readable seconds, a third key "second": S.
{"hour": 8, "minute": 59}
